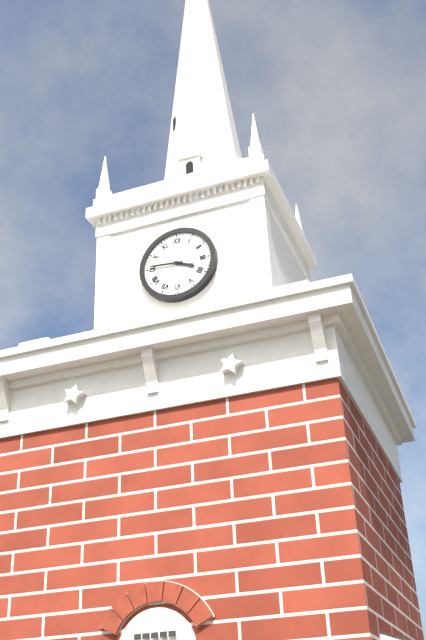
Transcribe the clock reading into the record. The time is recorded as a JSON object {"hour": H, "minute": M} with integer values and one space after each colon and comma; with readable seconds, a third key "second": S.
{"hour": 3, "minute": 46}
